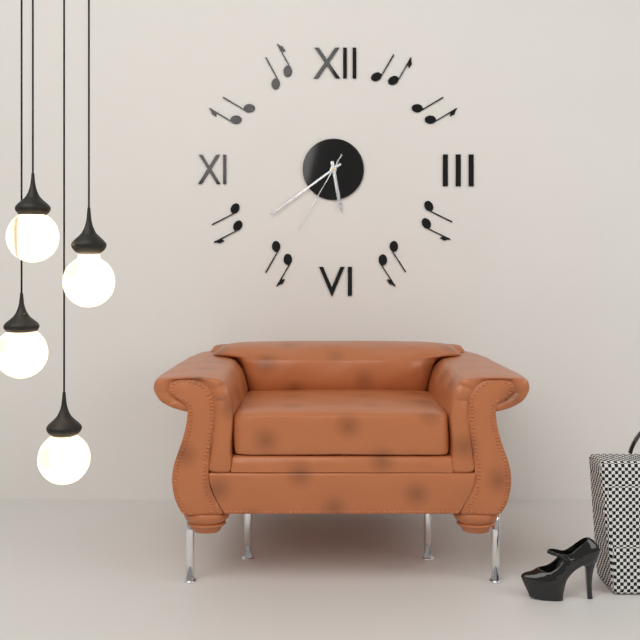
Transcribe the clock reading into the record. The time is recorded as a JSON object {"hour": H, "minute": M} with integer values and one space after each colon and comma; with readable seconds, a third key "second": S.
{"hour": 5, "minute": 39, "second": 35}
